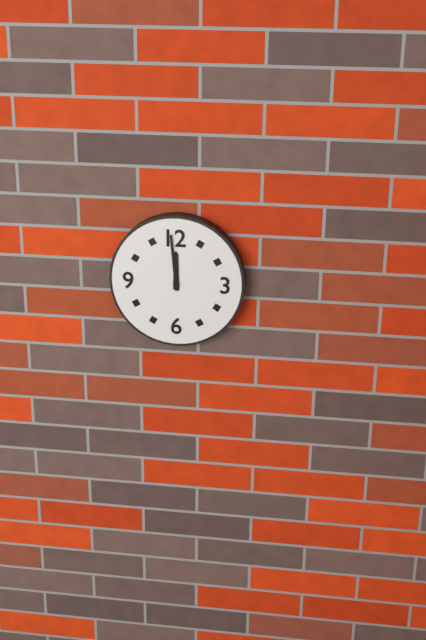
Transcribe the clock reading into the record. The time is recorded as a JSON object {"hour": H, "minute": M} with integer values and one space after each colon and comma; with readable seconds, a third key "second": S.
{"hour": 11, "minute": 59}
